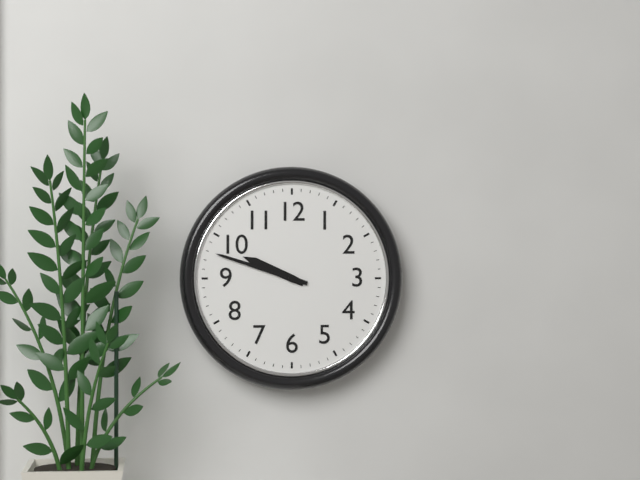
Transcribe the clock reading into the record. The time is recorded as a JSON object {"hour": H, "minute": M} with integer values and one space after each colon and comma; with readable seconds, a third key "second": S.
{"hour": 9, "minute": 48}
